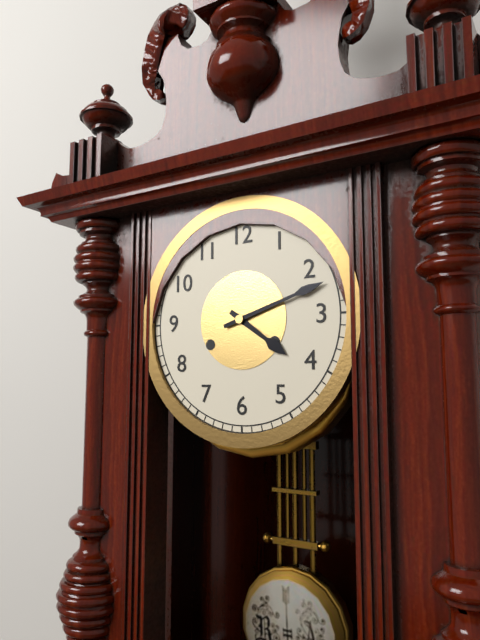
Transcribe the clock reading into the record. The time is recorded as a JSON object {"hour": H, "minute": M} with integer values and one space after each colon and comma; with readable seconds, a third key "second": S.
{"hour": 4, "minute": 12}
